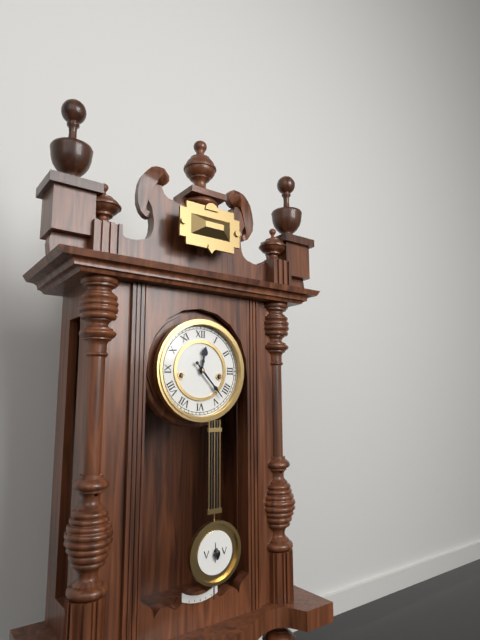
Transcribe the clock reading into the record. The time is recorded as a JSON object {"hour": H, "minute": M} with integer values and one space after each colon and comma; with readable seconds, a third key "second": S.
{"hour": 12, "minute": 23}
